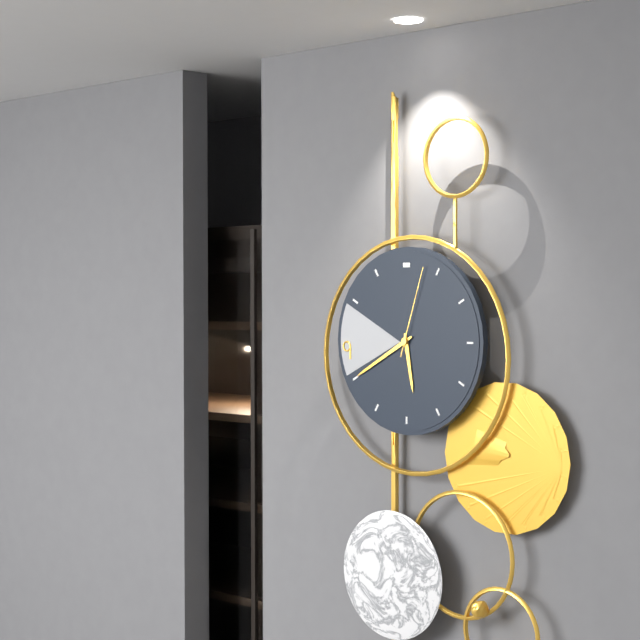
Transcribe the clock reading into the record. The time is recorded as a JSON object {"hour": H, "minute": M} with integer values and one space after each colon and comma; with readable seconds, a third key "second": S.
{"hour": 5, "minute": 40, "second": 3}
